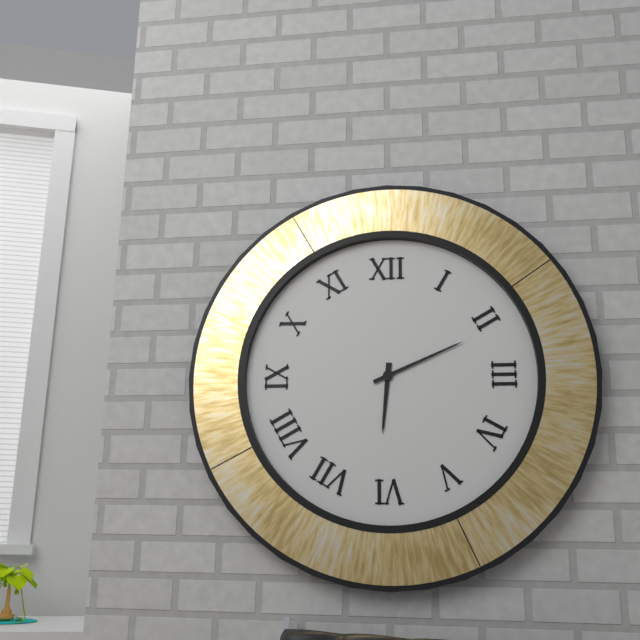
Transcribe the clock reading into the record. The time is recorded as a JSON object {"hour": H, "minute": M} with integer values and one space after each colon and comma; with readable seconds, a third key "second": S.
{"hour": 6, "minute": 11}
